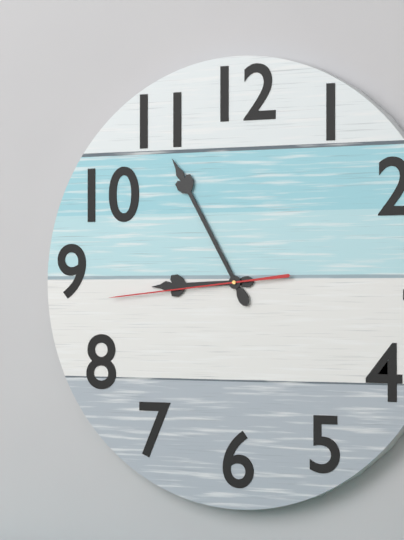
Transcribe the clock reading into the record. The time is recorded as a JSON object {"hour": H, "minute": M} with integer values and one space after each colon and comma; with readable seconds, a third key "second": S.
{"hour": 8, "minute": 55, "second": 44}
